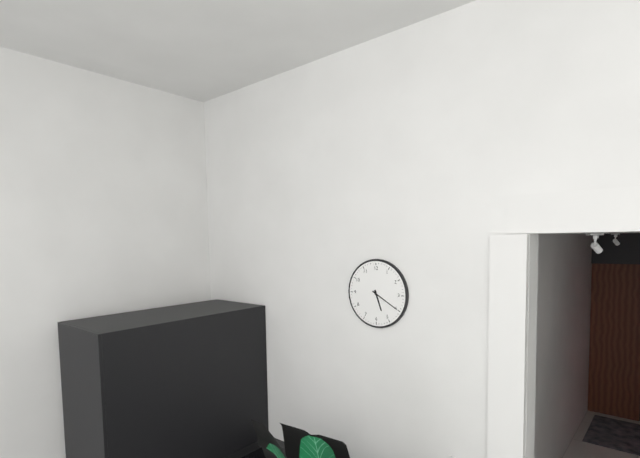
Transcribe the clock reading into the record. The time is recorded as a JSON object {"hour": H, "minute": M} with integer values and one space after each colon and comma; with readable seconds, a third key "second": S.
{"hour": 5, "minute": 20}
